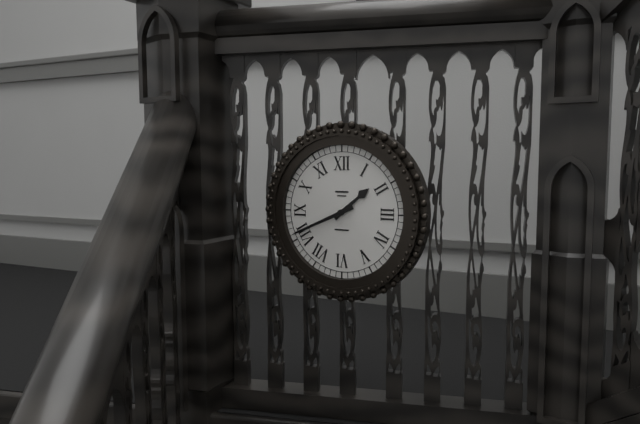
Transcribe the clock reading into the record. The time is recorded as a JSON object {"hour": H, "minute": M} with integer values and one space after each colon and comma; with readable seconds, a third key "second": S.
{"hour": 1, "minute": 41}
